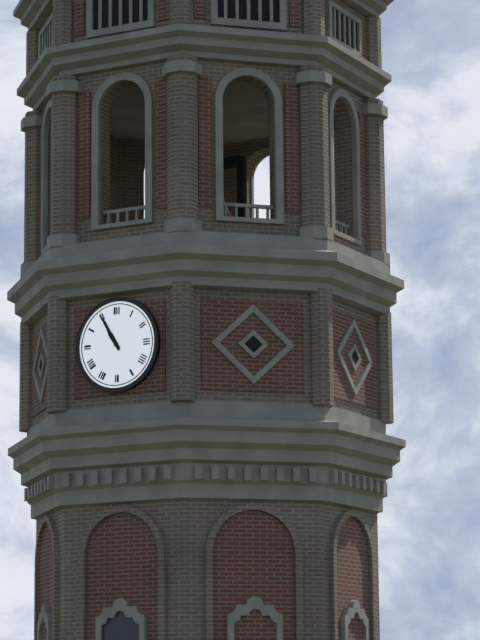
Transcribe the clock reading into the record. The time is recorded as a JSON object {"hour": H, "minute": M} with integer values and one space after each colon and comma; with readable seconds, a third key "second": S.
{"hour": 10, "minute": 55}
